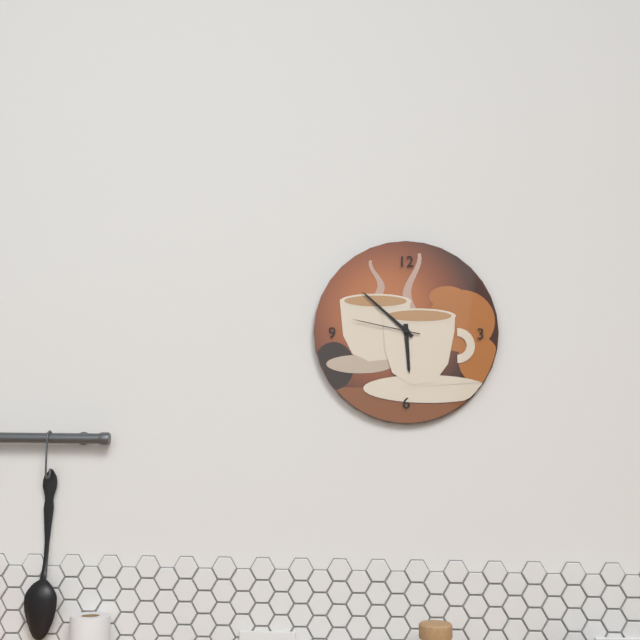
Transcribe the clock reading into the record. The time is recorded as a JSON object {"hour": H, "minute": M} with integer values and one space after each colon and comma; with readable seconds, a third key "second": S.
{"hour": 5, "minute": 52, "second": 47}
